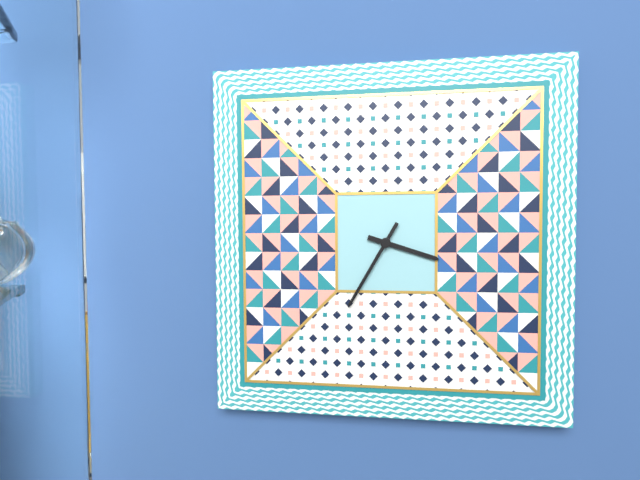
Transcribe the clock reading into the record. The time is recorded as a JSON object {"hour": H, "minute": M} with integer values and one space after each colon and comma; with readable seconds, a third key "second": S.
{"hour": 3, "minute": 35}
